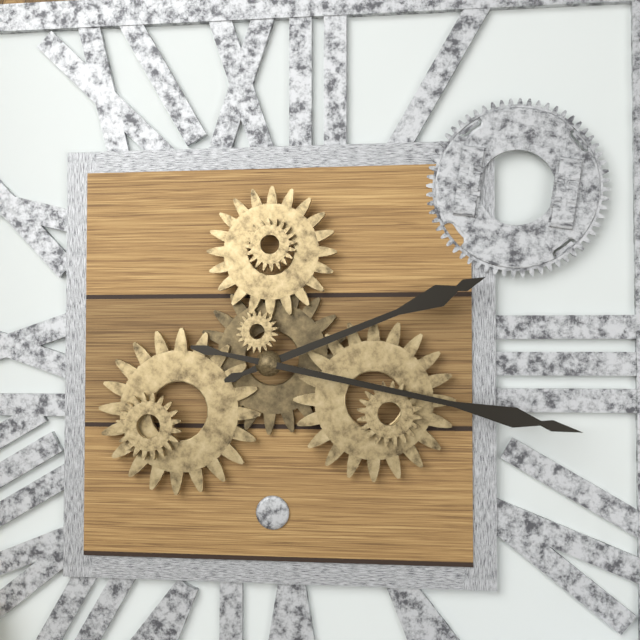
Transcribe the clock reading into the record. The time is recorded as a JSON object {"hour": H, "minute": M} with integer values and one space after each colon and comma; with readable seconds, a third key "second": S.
{"hour": 2, "minute": 17}
